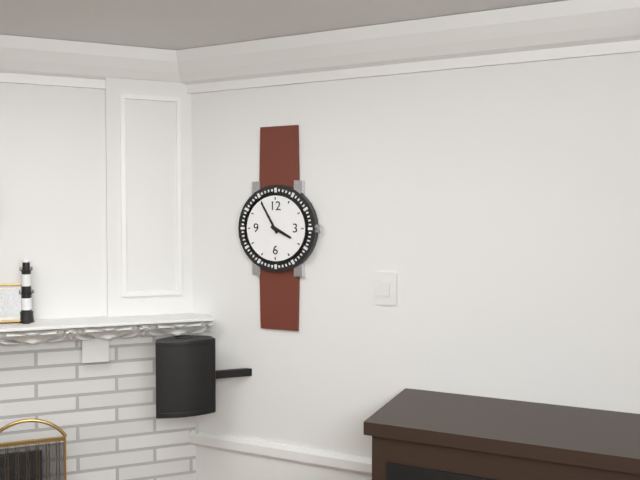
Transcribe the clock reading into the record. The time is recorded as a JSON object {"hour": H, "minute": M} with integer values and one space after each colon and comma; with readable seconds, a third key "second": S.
{"hour": 3, "minute": 55}
